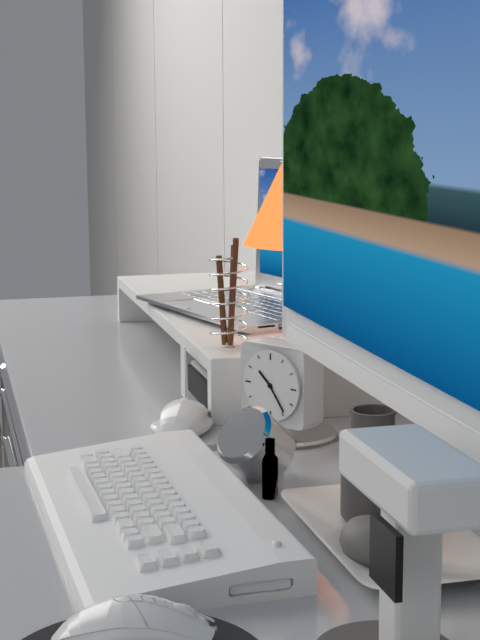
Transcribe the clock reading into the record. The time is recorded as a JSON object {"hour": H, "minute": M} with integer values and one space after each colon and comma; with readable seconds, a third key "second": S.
{"hour": 10, "minute": 24}
